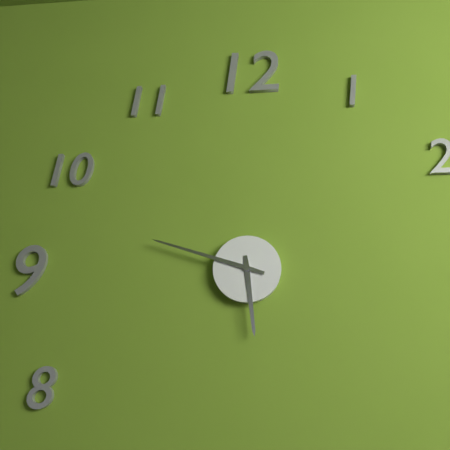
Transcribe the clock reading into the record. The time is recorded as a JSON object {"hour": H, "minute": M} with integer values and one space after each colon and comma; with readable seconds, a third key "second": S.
{"hour": 5, "minute": 48}
